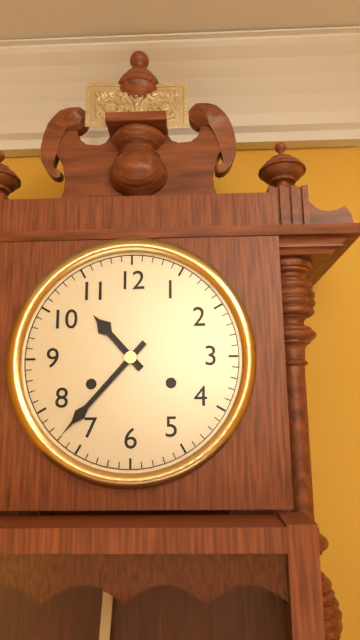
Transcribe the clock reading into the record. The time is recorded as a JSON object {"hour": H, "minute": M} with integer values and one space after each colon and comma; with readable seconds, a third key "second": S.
{"hour": 10, "minute": 37}
